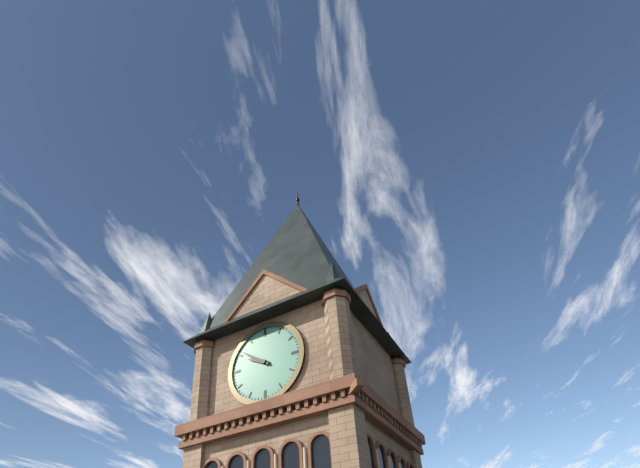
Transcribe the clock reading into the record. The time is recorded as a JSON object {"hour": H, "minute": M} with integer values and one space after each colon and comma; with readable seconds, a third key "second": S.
{"hour": 9, "minute": 51}
